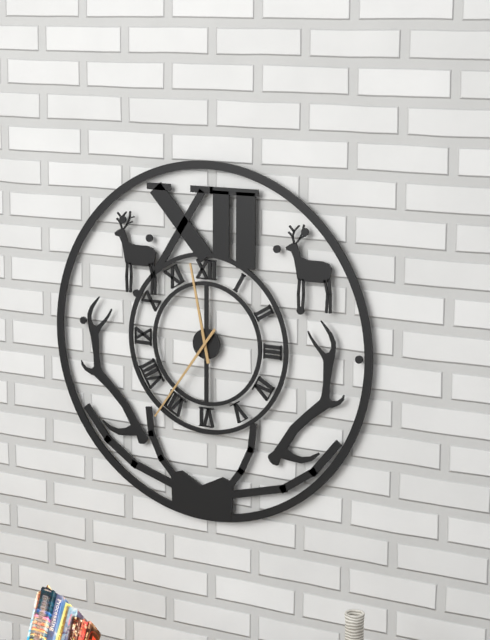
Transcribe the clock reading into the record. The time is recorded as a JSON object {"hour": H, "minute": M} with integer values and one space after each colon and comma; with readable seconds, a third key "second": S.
{"hour": 11, "minute": 36}
